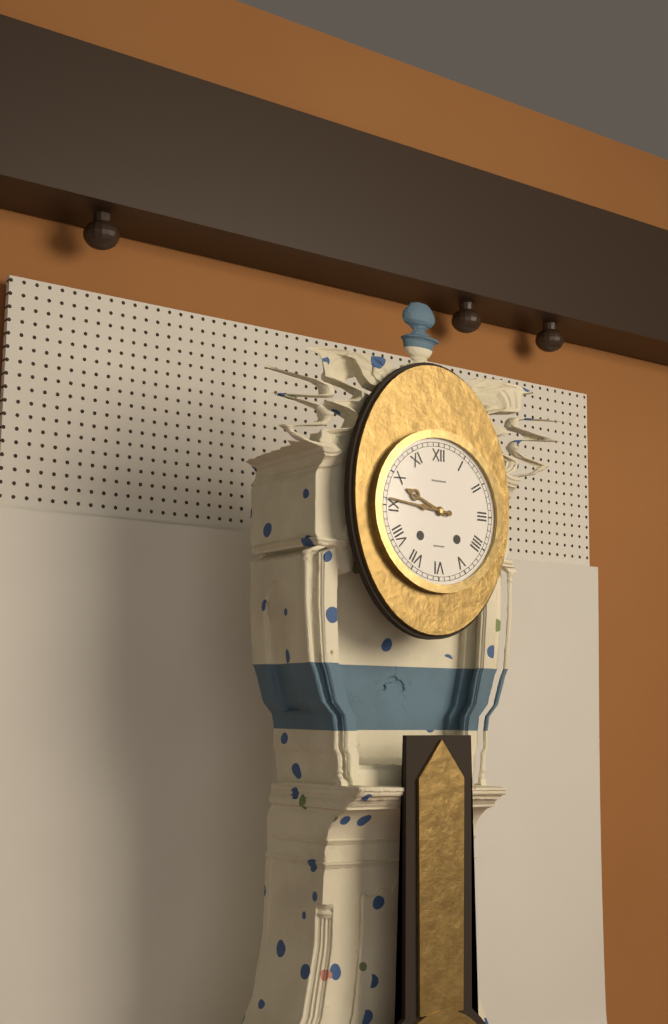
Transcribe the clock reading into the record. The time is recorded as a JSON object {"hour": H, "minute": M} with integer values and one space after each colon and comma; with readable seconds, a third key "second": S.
{"hour": 9, "minute": 46}
